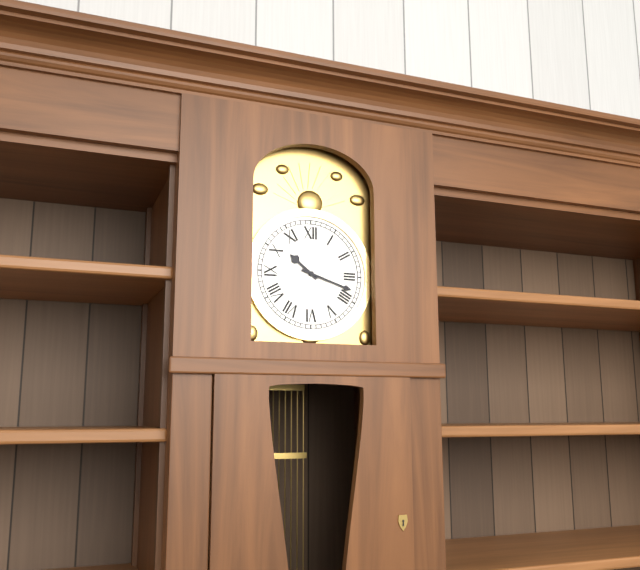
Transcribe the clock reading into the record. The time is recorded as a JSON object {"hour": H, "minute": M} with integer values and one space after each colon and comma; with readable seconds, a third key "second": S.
{"hour": 10, "minute": 18}
